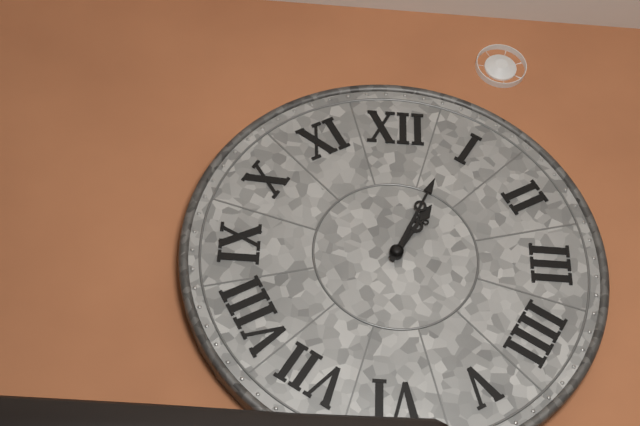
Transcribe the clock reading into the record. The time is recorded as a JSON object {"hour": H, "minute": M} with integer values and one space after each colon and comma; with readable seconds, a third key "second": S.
{"hour": 1, "minute": 4}
